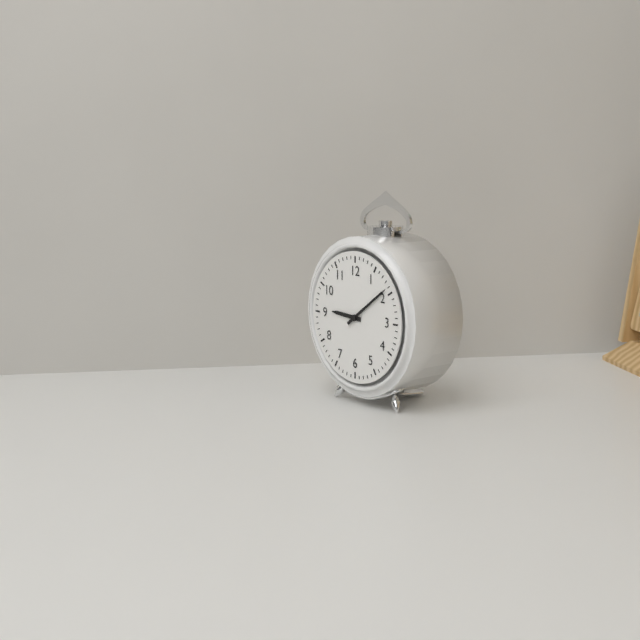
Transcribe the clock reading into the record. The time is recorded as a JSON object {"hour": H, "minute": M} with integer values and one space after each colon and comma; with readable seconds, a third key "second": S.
{"hour": 9, "minute": 9}
